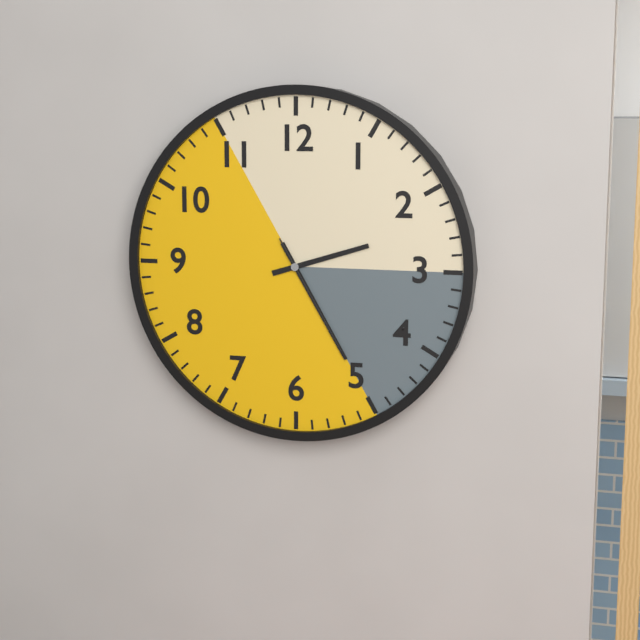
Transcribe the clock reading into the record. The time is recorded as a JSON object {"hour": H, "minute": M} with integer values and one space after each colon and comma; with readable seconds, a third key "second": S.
{"hour": 2, "minute": 25, "second": 25}
